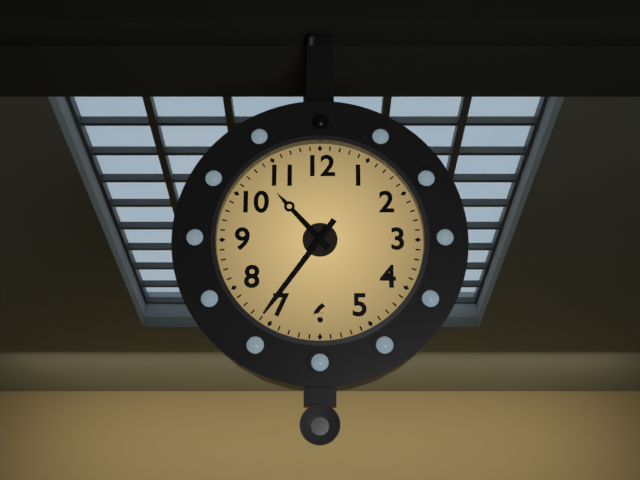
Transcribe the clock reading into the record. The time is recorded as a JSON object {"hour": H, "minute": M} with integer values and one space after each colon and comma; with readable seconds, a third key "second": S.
{"hour": 10, "minute": 36}
